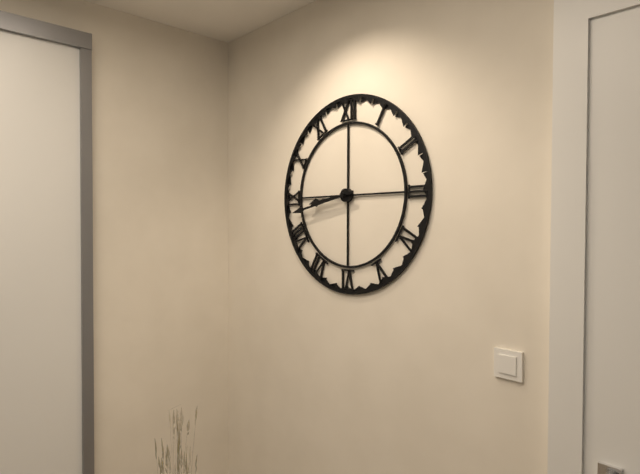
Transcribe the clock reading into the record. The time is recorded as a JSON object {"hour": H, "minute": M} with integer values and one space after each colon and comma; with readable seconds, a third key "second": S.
{"hour": 8, "minute": 43}
